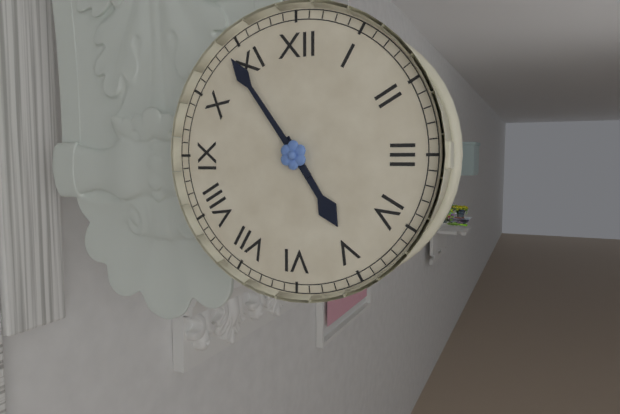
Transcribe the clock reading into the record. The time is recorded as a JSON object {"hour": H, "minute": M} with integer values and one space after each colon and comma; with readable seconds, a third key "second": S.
{"hour": 4, "minute": 54}
